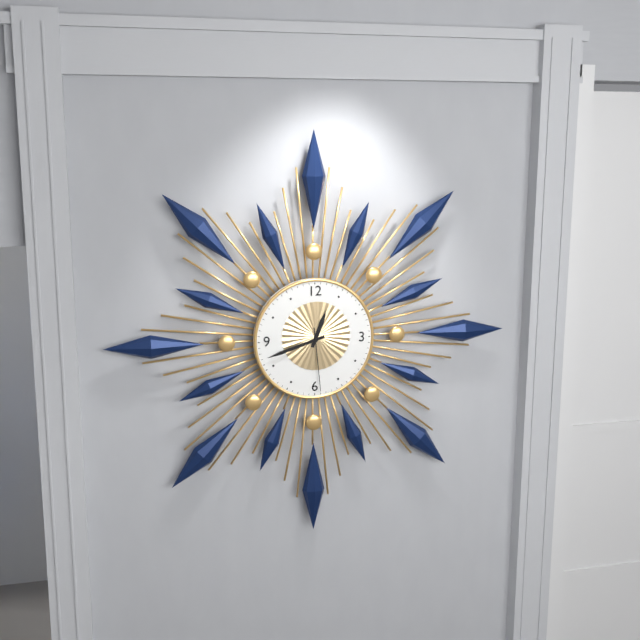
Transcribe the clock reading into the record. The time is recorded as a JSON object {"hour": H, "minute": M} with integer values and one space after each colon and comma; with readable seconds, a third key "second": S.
{"hour": 12, "minute": 42, "second": 29}
